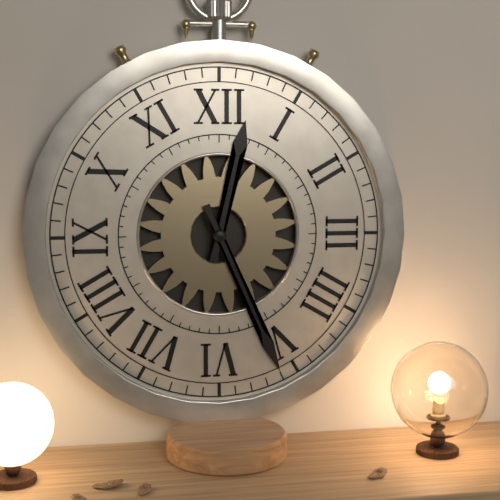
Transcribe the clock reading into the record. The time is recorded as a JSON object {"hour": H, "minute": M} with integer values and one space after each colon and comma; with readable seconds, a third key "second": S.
{"hour": 12, "minute": 26}
